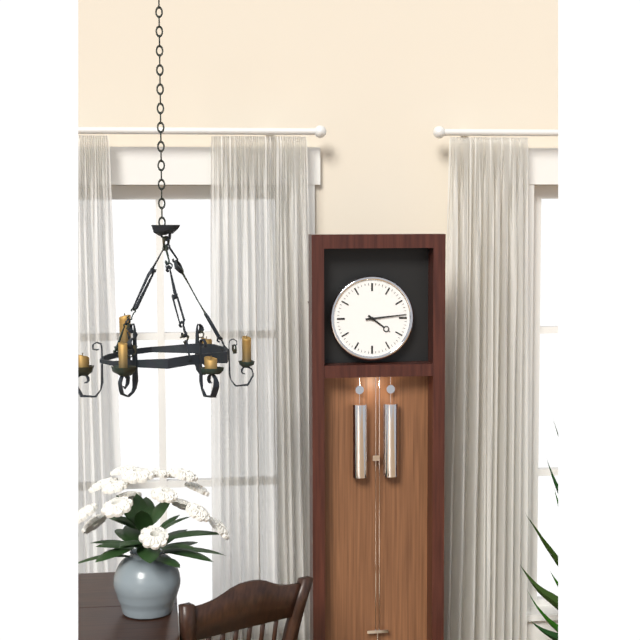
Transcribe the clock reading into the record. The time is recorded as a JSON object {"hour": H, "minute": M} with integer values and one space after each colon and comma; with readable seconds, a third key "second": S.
{"hour": 4, "minute": 14}
